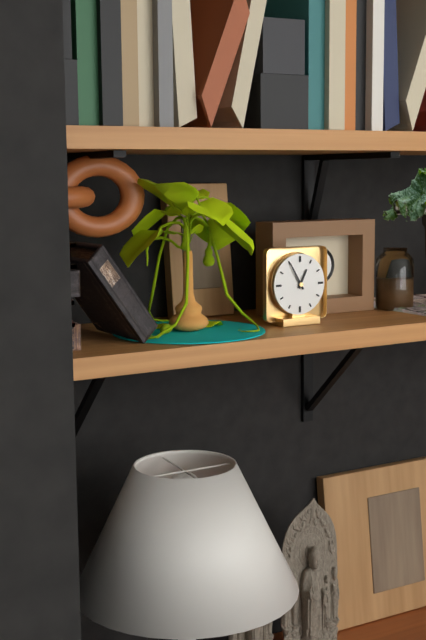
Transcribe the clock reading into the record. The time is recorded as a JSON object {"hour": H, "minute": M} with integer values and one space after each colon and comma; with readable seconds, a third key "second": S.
{"hour": 12, "minute": 55}
